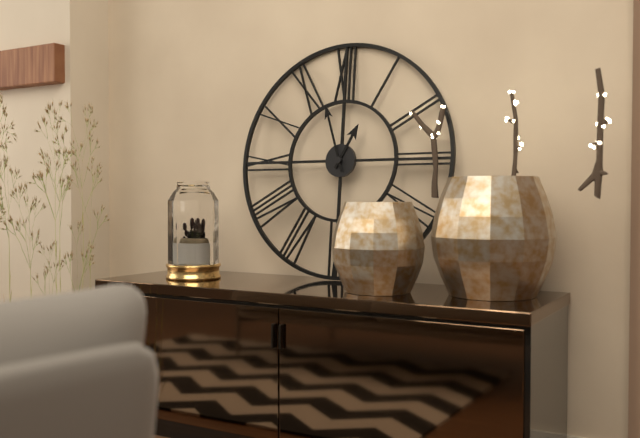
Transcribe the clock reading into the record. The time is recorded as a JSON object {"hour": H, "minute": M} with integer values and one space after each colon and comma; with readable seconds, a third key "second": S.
{"hour": 12, "minute": 57}
